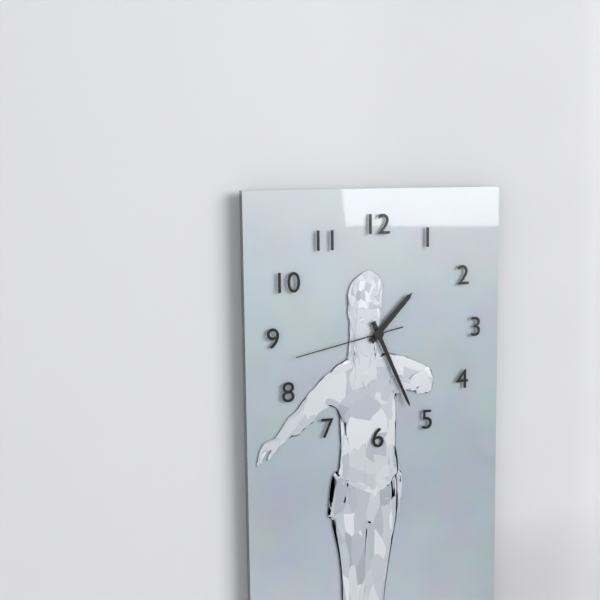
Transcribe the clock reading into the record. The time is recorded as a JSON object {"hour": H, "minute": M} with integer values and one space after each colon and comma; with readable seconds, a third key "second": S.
{"hour": 1, "minute": 26, "second": 43}
